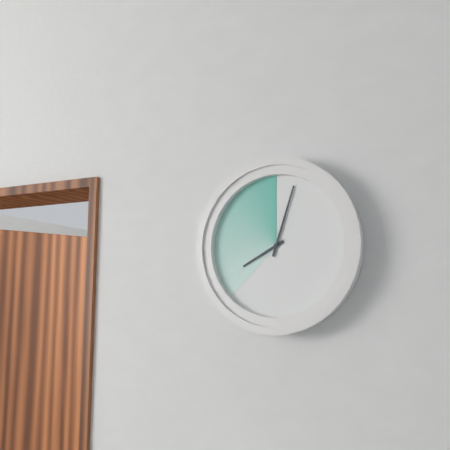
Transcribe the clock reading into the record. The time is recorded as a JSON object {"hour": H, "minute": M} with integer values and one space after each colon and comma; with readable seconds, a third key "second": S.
{"hour": 8, "minute": 3}
